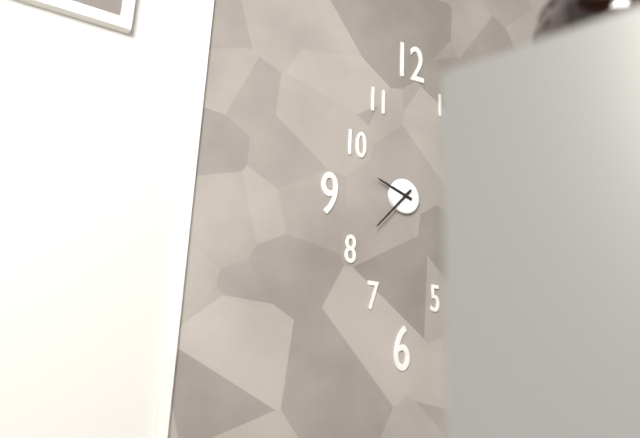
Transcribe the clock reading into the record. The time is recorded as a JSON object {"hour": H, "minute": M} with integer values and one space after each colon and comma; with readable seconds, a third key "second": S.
{"hour": 9, "minute": 37}
